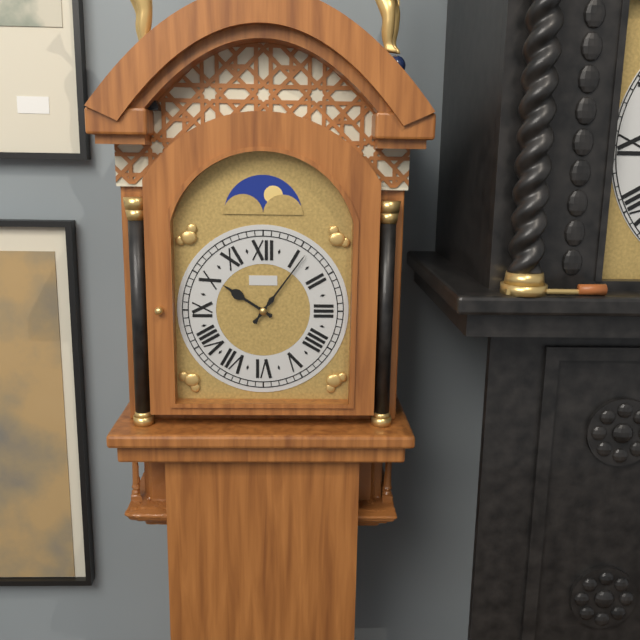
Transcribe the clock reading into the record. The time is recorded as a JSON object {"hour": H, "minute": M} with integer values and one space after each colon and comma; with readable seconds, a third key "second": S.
{"hour": 10, "minute": 6}
